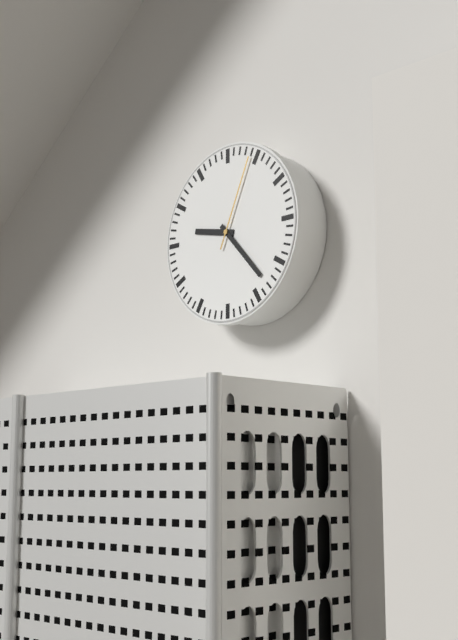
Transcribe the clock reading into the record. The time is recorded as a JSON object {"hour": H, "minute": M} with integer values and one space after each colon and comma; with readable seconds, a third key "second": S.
{"hour": 9, "minute": 23, "second": 4}
